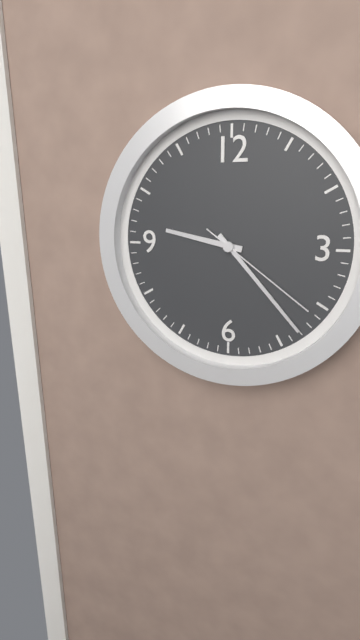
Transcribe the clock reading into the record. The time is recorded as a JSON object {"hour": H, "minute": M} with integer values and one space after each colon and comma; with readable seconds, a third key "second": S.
{"hour": 9, "minute": 23, "second": 21}
